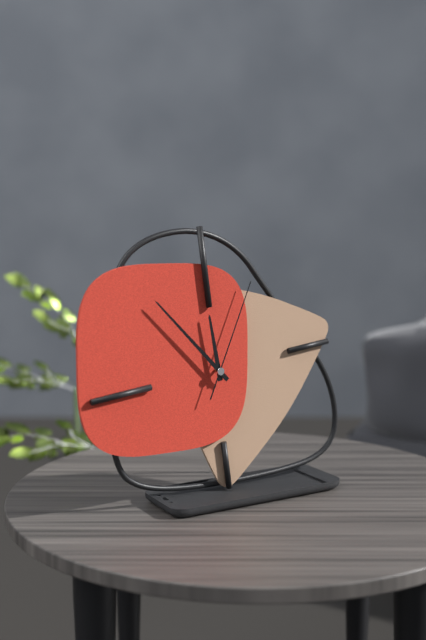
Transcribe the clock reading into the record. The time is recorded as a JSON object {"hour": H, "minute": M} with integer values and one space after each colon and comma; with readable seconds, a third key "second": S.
{"hour": 11, "minute": 54, "second": 5}
